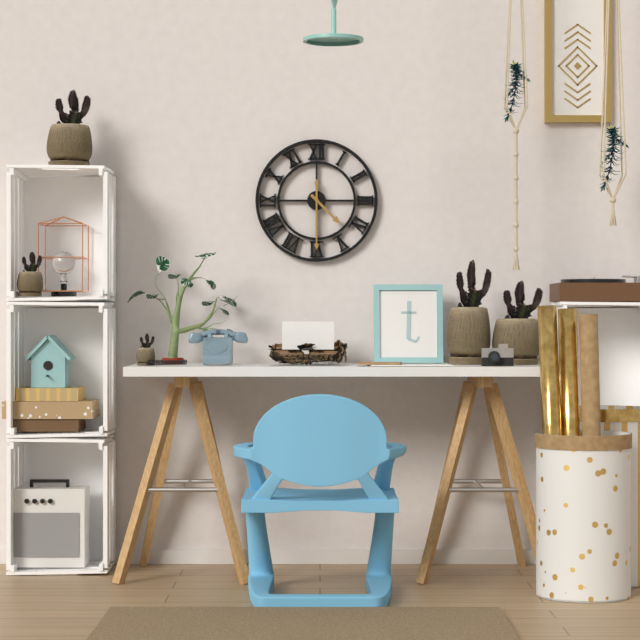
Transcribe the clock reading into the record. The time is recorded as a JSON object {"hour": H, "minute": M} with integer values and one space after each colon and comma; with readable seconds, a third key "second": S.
{"hour": 4, "minute": 30}
